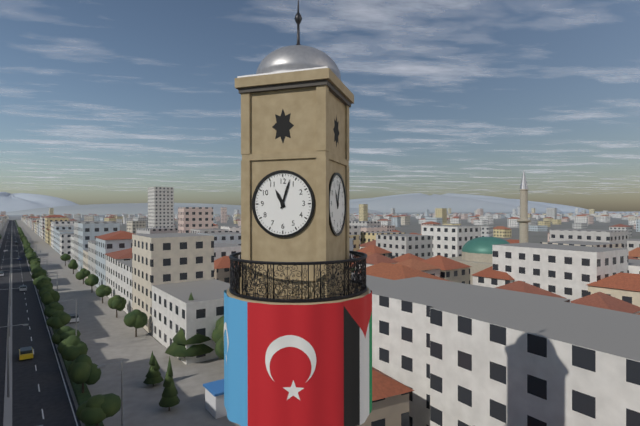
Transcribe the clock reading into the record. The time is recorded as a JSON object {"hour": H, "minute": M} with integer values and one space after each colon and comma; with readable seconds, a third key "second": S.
{"hour": 11, "minute": 3}
